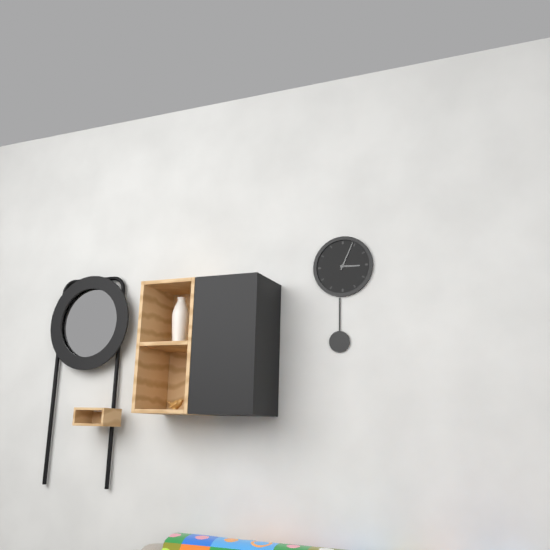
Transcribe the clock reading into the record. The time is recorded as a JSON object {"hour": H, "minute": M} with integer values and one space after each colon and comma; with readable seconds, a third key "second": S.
{"hour": 3, "minute": 4}
